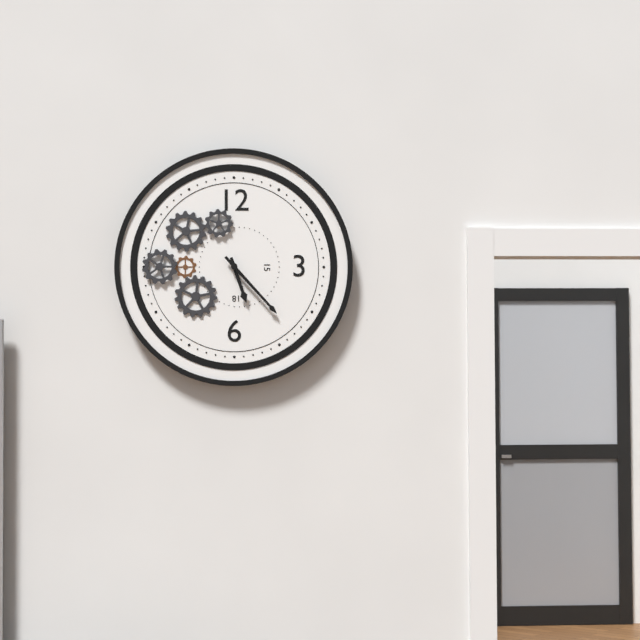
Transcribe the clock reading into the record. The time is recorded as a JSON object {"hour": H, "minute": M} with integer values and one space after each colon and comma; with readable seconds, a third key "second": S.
{"hour": 5, "minute": 23}
